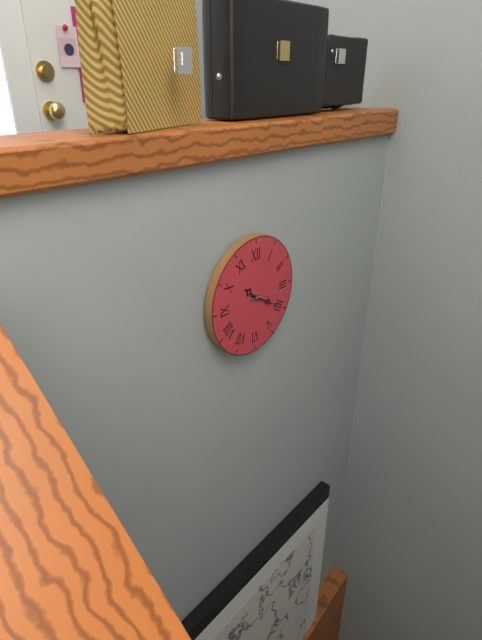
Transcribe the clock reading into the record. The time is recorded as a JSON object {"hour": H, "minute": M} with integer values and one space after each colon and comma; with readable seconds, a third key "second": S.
{"hour": 10, "minute": 20}
